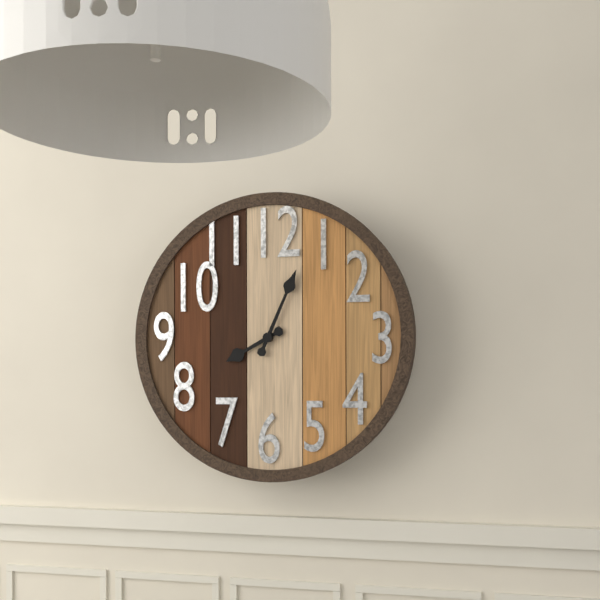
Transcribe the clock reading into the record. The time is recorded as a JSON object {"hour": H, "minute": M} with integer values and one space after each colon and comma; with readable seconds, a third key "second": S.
{"hour": 8, "minute": 4}
